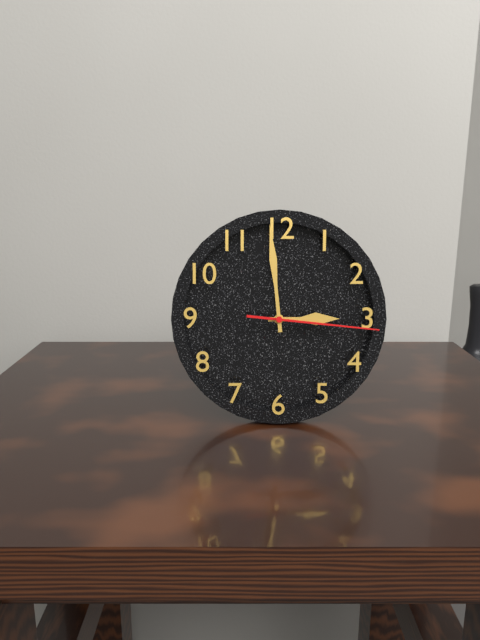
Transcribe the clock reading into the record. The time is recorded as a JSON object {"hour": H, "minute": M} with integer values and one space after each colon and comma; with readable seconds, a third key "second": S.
{"hour": 2, "minute": 59, "second": 16}
